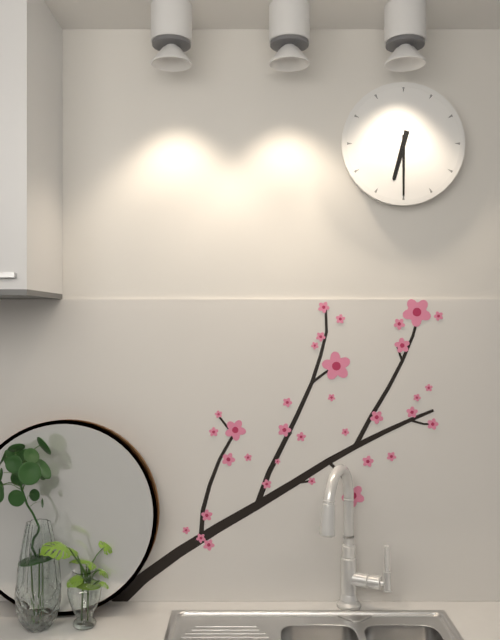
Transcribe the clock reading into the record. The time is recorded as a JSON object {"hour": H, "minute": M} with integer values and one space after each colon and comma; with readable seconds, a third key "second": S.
{"hour": 6, "minute": 30}
